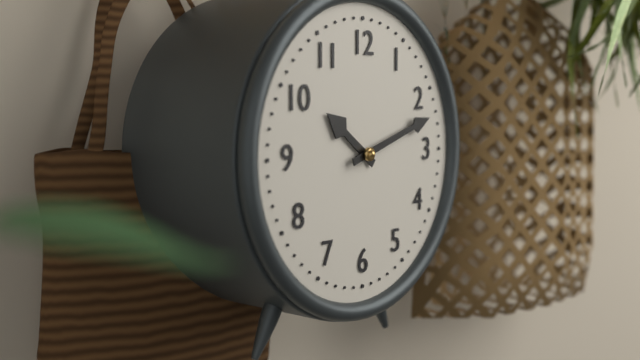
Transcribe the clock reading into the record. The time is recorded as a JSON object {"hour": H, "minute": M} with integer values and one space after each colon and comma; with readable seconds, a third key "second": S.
{"hour": 10, "minute": 12}
